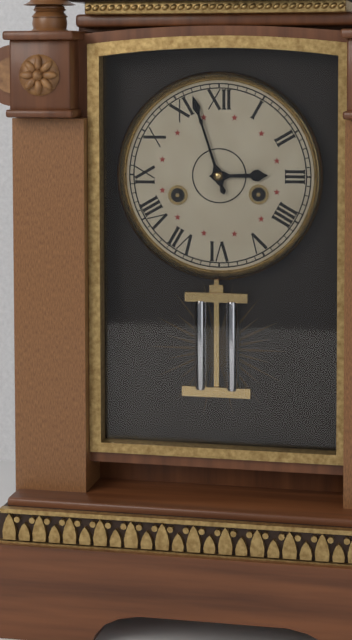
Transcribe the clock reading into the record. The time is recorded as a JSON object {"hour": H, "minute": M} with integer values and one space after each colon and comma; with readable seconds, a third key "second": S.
{"hour": 2, "minute": 57}
